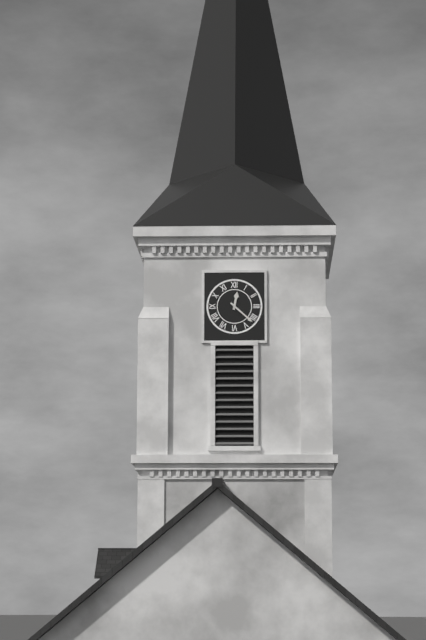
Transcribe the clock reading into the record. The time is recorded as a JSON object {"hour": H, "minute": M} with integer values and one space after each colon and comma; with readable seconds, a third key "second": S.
{"hour": 12, "minute": 22}
